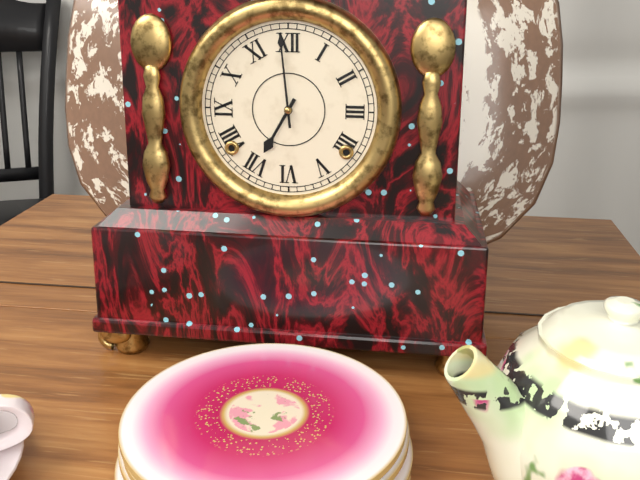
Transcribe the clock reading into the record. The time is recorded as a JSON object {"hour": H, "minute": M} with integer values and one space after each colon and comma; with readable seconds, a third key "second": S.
{"hour": 6, "minute": 59}
